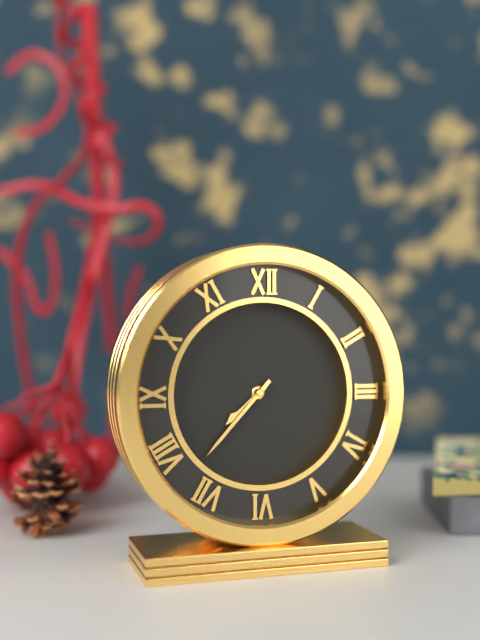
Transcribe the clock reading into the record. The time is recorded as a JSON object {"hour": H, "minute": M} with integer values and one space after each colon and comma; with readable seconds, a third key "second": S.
{"hour": 7, "minute": 37}
